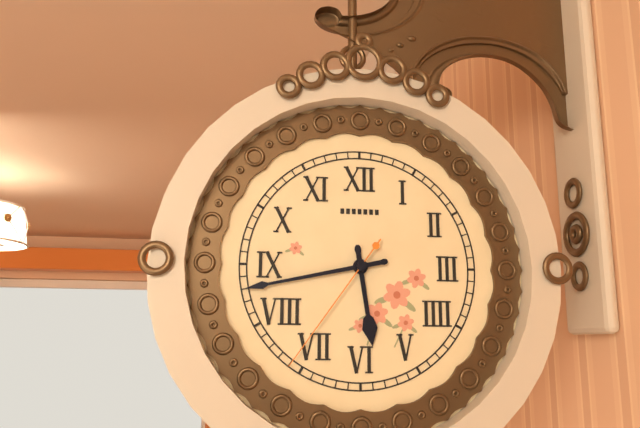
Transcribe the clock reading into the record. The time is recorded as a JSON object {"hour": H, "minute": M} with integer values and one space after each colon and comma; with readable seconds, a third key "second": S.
{"hour": 5, "minute": 43, "second": 36}
